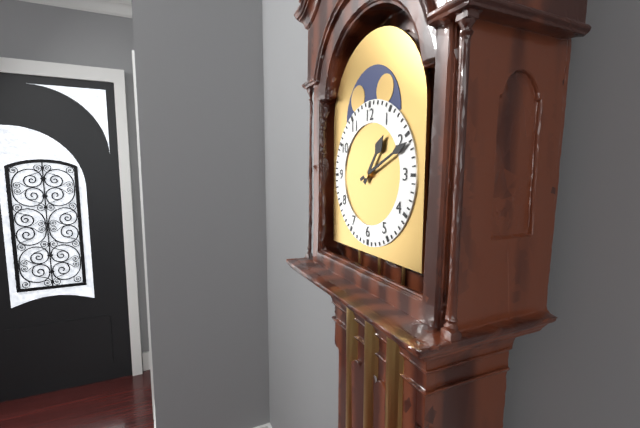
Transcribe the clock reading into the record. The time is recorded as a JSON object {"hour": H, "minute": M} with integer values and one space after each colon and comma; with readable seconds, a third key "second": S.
{"hour": 1, "minute": 11}
